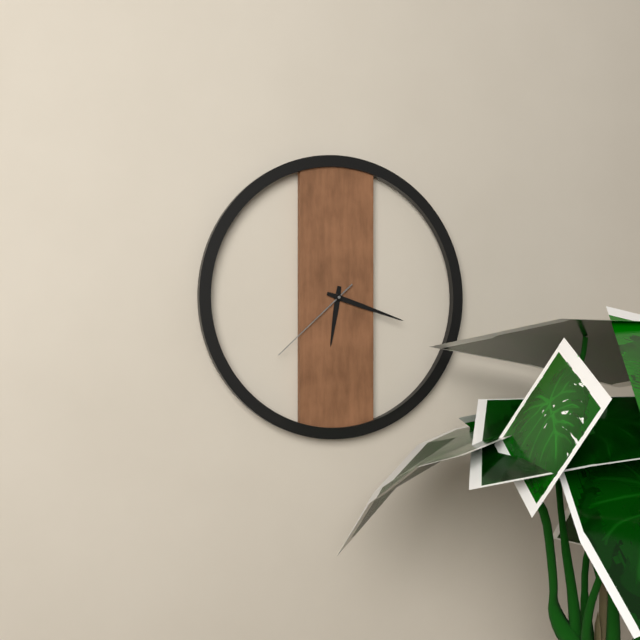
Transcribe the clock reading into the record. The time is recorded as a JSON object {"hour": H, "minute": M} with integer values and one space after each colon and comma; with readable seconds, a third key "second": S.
{"hour": 6, "minute": 18, "second": 38}
